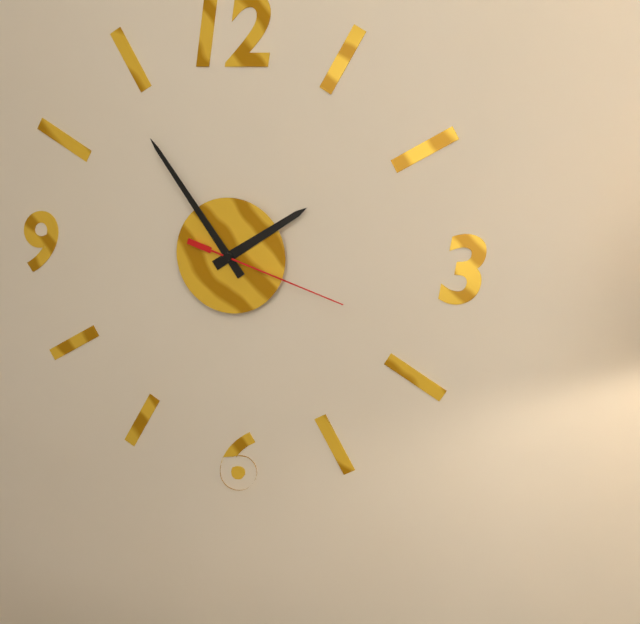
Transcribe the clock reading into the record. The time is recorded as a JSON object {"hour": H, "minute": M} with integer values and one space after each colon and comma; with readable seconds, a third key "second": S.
{"hour": 1, "minute": 54, "second": 18}
